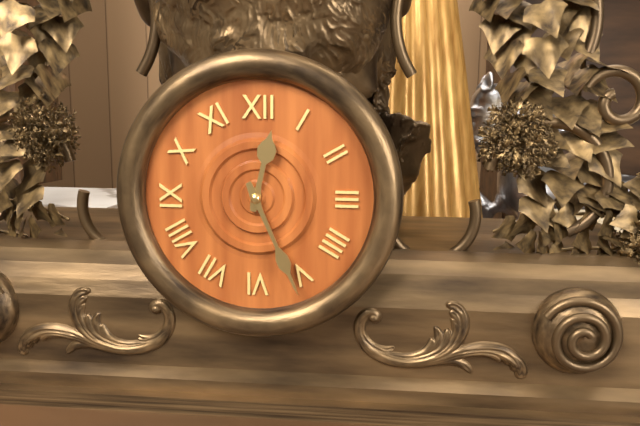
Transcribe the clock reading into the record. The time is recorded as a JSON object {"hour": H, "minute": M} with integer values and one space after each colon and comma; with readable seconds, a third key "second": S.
{"hour": 12, "minute": 26}
